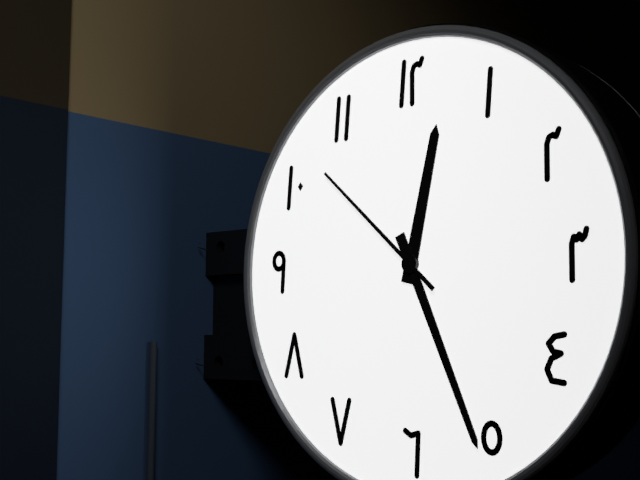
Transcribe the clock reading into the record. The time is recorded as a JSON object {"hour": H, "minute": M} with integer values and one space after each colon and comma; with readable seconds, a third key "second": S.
{"hour": 12, "minute": 26, "second": 52}
